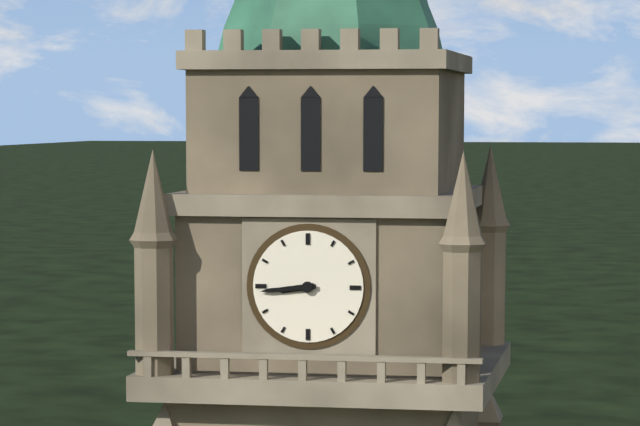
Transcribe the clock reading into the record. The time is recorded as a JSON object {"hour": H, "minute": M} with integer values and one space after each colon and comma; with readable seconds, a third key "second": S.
{"hour": 8, "minute": 44}
